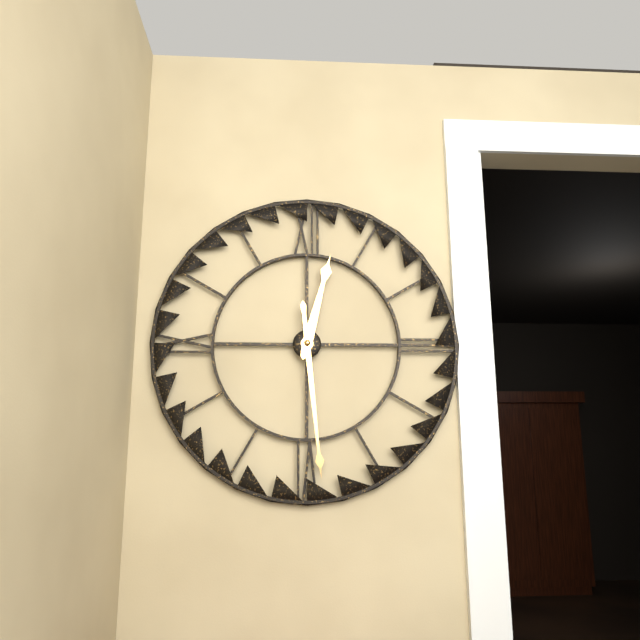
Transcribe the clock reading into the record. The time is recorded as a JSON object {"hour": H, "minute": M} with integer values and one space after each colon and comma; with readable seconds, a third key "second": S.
{"hour": 12, "minute": 29}
